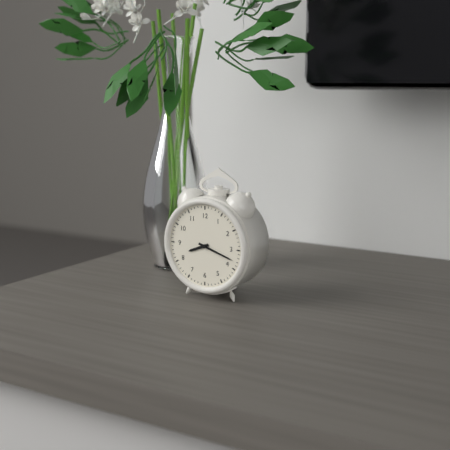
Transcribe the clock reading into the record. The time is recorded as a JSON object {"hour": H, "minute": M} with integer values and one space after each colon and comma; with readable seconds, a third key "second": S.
{"hour": 8, "minute": 18}
